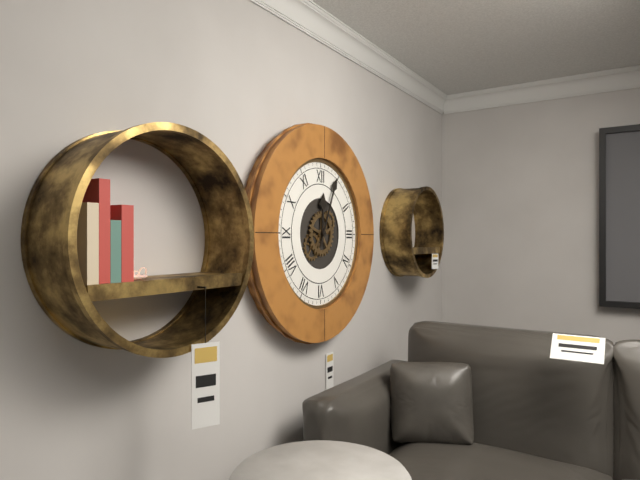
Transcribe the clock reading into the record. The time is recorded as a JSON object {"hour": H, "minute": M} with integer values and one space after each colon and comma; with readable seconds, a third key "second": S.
{"hour": 12, "minute": 4}
